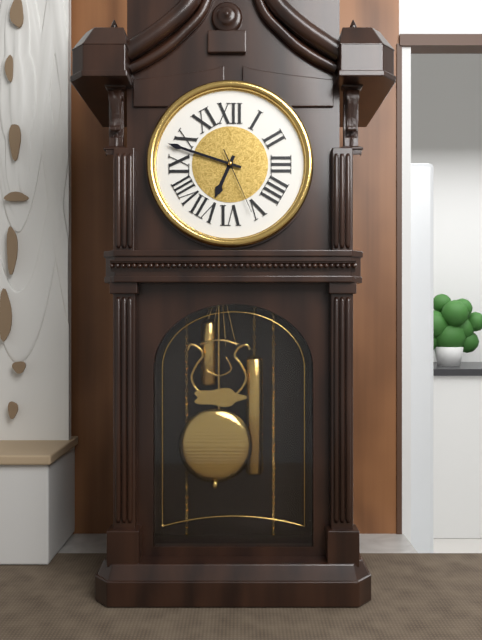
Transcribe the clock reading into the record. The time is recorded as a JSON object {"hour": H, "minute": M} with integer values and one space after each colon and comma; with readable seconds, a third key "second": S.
{"hour": 6, "minute": 48, "second": 26}
